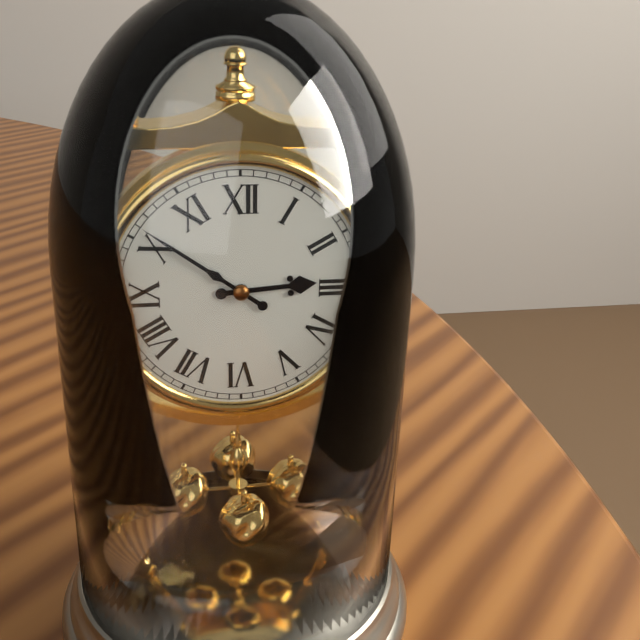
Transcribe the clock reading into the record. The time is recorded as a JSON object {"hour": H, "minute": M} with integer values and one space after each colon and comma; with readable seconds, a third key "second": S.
{"hour": 2, "minute": 51}
